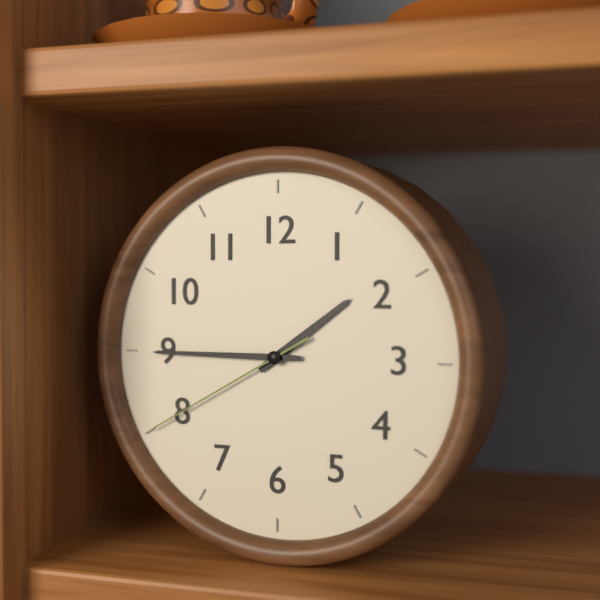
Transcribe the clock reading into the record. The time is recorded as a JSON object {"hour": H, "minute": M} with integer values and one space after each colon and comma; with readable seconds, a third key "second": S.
{"hour": 1, "minute": 45, "second": 40}
